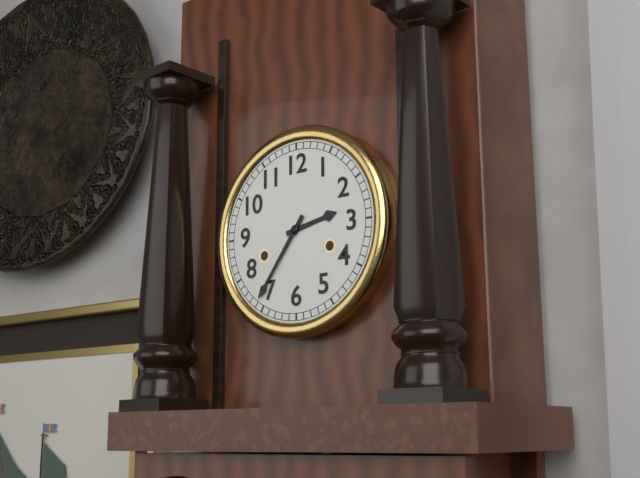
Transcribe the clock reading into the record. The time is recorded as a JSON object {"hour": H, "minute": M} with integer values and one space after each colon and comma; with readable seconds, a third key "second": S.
{"hour": 2, "minute": 36}
